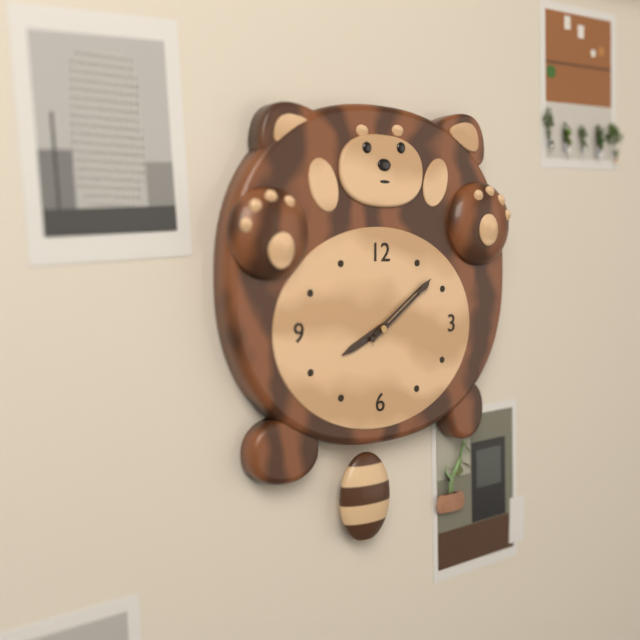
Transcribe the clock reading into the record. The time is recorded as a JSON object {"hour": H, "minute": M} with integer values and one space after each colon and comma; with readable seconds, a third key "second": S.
{"hour": 8, "minute": 9, "second": 9}
